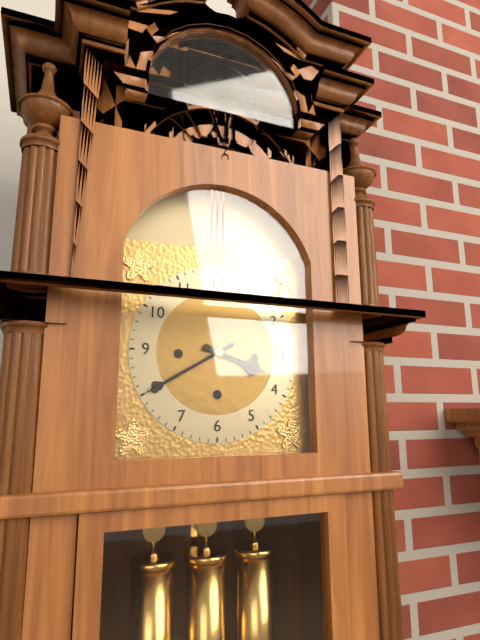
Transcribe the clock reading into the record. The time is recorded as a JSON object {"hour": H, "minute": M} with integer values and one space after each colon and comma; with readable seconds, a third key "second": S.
{"hour": 3, "minute": 40}
